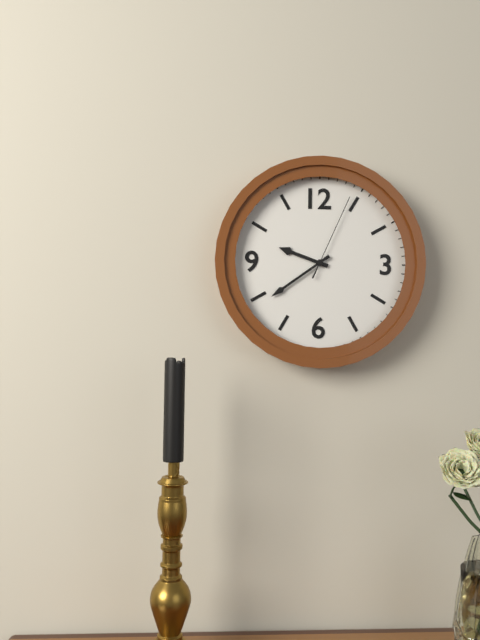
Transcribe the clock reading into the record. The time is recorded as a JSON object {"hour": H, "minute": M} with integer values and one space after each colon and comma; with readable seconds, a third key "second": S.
{"hour": 9, "minute": 39, "second": 4}
